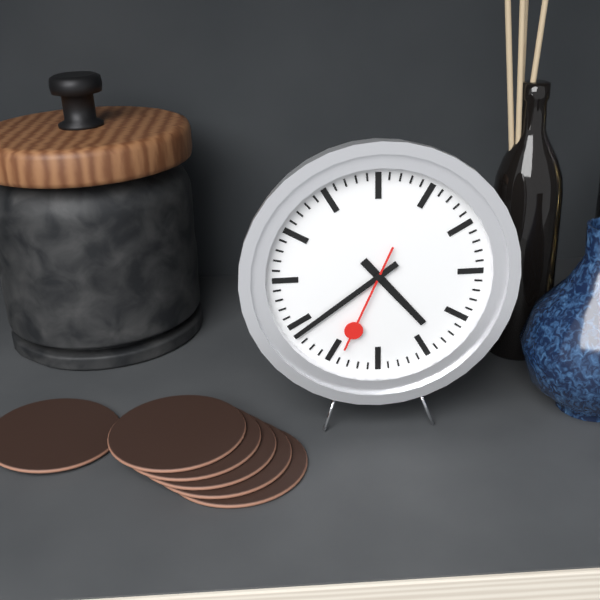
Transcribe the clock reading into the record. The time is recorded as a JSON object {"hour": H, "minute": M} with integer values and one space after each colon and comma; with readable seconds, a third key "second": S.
{"hour": 4, "minute": 39, "second": 34}
